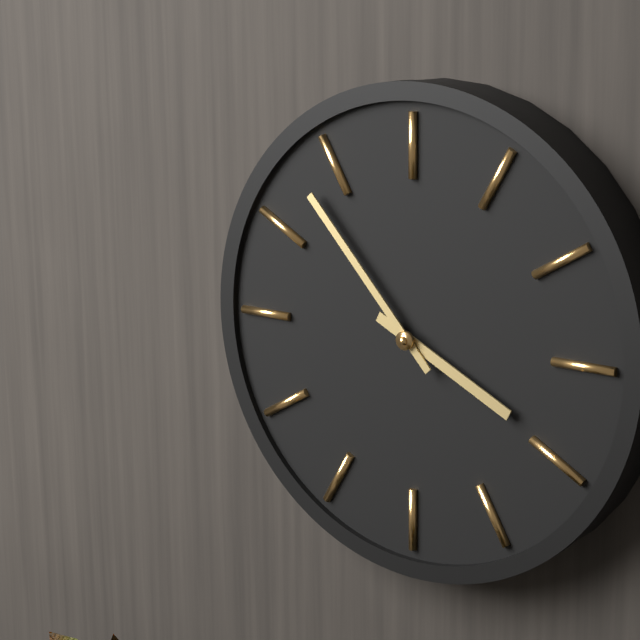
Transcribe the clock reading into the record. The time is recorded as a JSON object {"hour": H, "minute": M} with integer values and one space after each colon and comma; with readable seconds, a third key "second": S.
{"hour": 3, "minute": 53}
